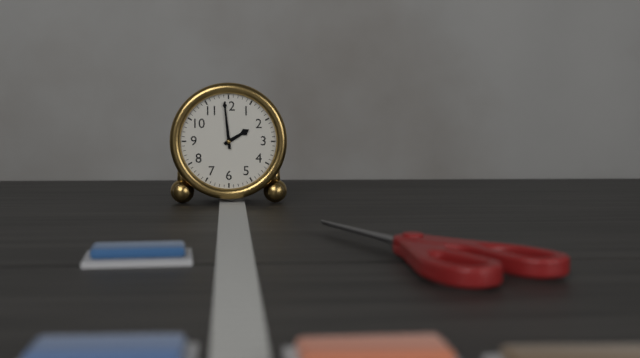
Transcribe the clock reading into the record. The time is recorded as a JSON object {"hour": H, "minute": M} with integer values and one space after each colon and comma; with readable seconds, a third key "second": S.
{"hour": 1, "minute": 59}
